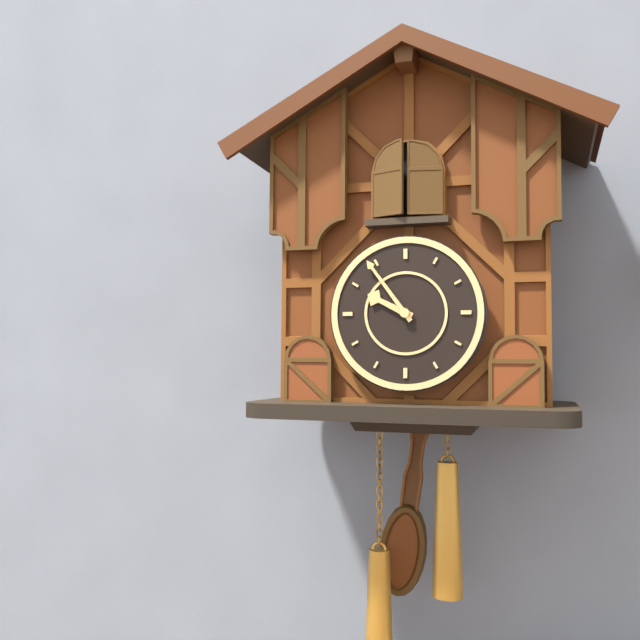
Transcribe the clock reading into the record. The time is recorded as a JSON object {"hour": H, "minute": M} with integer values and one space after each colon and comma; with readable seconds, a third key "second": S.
{"hour": 9, "minute": 54}
